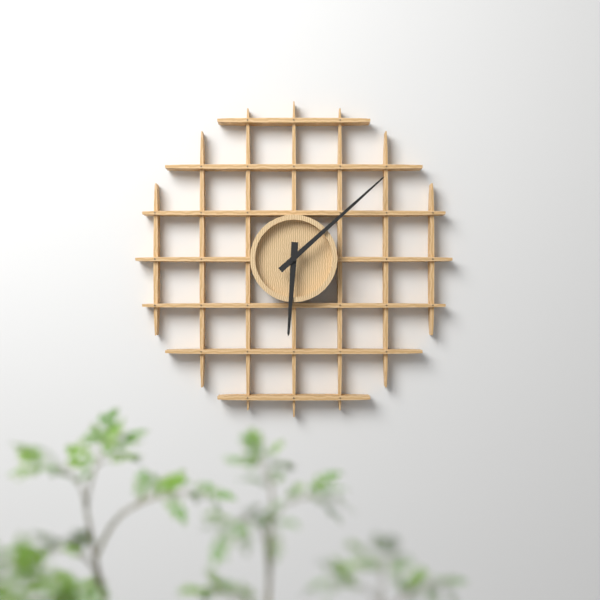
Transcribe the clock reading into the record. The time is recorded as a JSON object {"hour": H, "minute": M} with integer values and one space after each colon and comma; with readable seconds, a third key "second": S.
{"hour": 6, "minute": 8}
